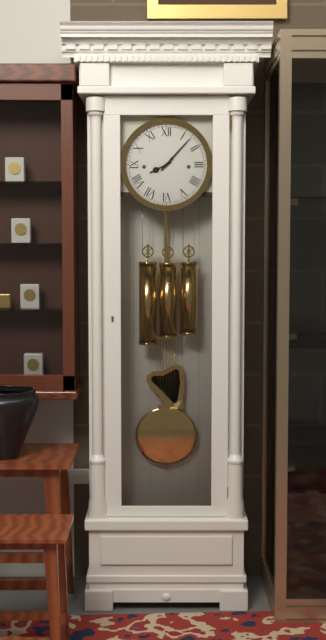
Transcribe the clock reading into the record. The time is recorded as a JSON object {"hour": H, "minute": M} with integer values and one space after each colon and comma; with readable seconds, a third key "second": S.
{"hour": 8, "minute": 7}
